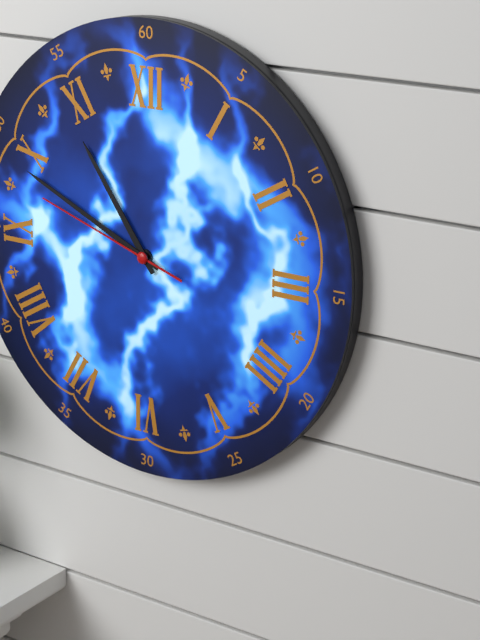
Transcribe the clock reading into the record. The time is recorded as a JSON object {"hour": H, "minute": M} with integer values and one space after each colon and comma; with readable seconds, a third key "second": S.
{"hour": 10, "minute": 49, "second": 48}
